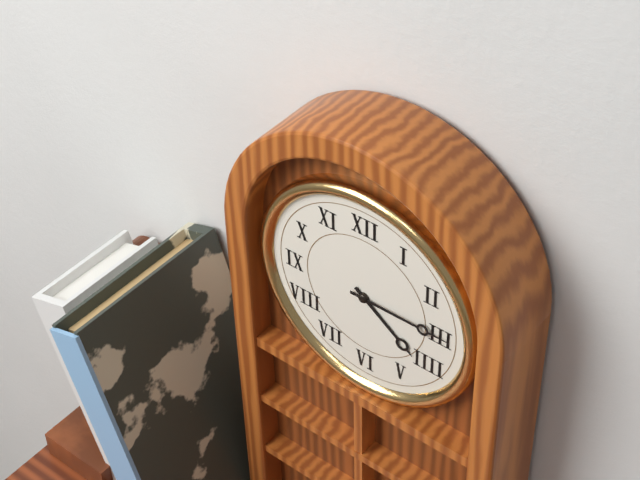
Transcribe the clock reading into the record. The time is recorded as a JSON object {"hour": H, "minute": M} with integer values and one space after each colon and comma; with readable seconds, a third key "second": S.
{"hour": 4, "minute": 15}
